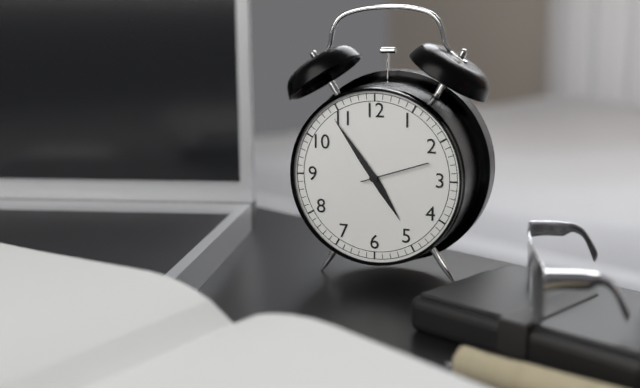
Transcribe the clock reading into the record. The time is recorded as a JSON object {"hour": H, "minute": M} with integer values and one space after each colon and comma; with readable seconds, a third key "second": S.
{"hour": 4, "minute": 54, "second": 12}
